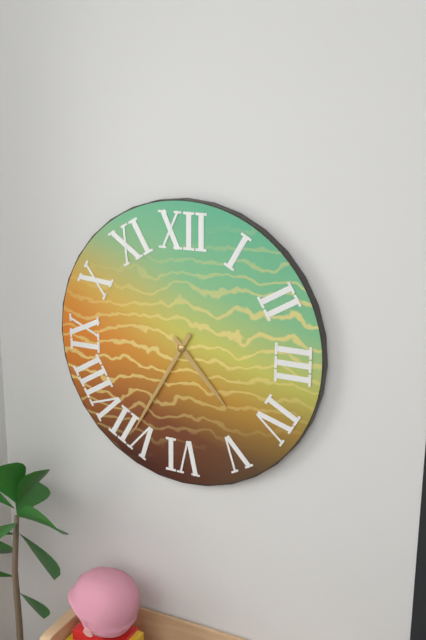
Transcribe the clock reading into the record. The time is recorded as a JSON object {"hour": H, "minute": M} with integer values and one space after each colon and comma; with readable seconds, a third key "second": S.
{"hour": 4, "minute": 35}
